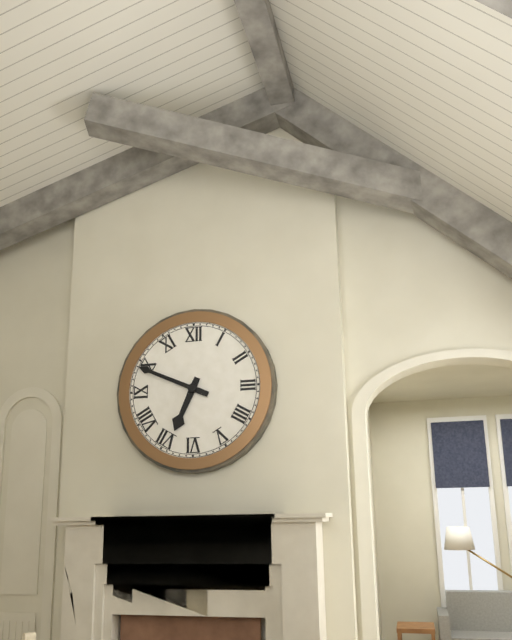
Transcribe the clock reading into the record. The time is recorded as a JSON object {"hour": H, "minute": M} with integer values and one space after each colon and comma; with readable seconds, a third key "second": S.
{"hour": 6, "minute": 49}
